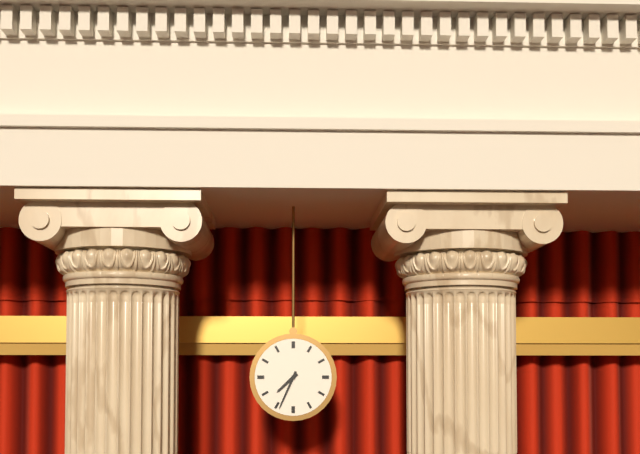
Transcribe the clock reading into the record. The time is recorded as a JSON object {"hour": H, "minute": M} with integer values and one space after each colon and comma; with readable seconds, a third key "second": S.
{"hour": 7, "minute": 34}
